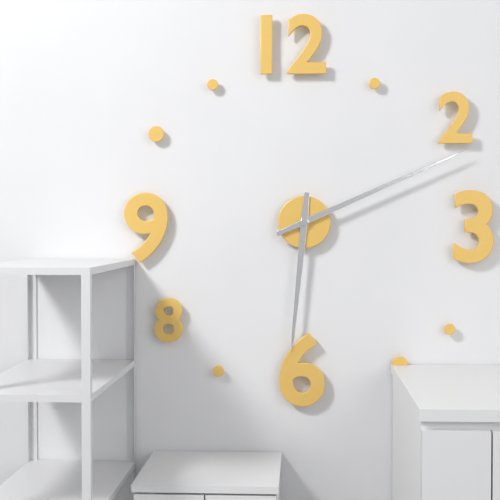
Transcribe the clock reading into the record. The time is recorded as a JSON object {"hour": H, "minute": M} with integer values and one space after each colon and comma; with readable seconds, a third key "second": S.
{"hour": 6, "minute": 11}
